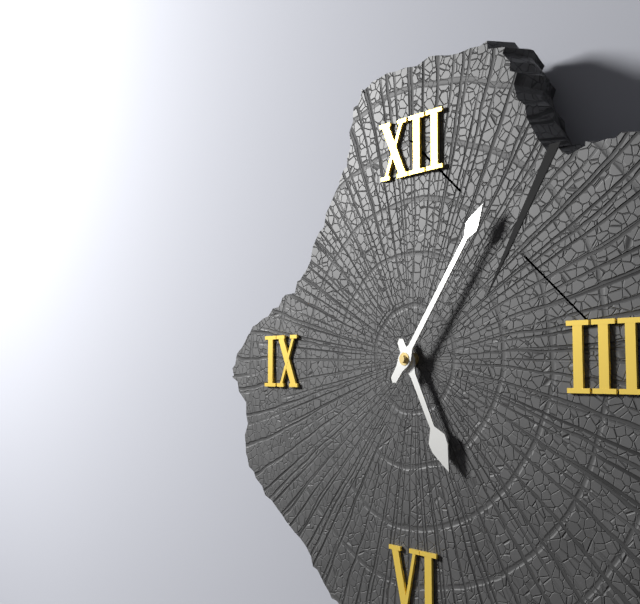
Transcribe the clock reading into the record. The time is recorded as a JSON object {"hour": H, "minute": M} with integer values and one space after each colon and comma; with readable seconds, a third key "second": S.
{"hour": 5, "minute": 6}
